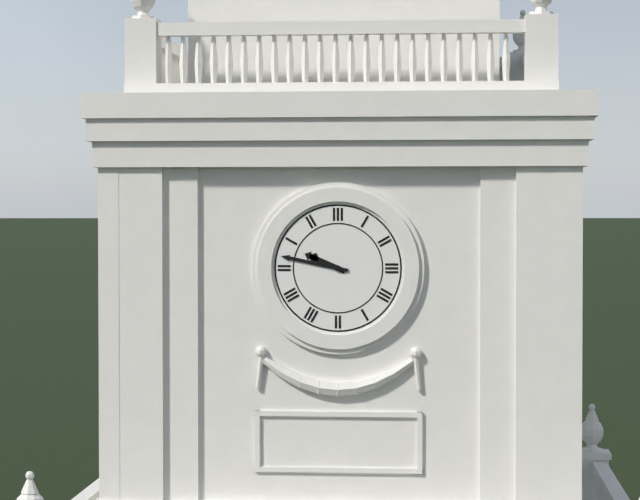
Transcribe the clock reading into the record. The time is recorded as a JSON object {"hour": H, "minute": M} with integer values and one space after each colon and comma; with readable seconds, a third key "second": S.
{"hour": 9, "minute": 47}
